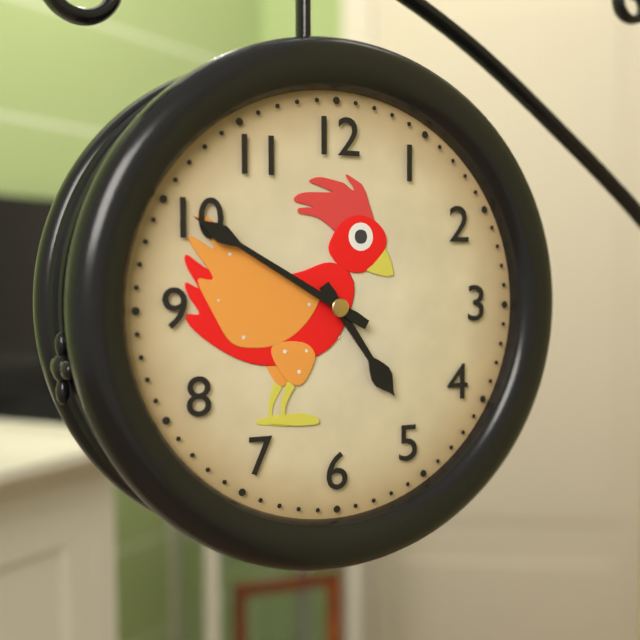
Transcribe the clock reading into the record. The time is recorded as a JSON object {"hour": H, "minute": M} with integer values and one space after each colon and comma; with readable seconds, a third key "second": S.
{"hour": 4, "minute": 50}
